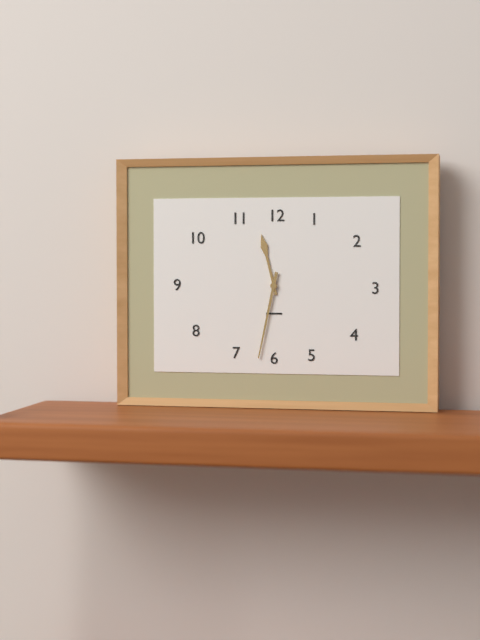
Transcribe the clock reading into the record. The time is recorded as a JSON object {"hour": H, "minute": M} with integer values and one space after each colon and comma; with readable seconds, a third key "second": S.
{"hour": 11, "minute": 32}
